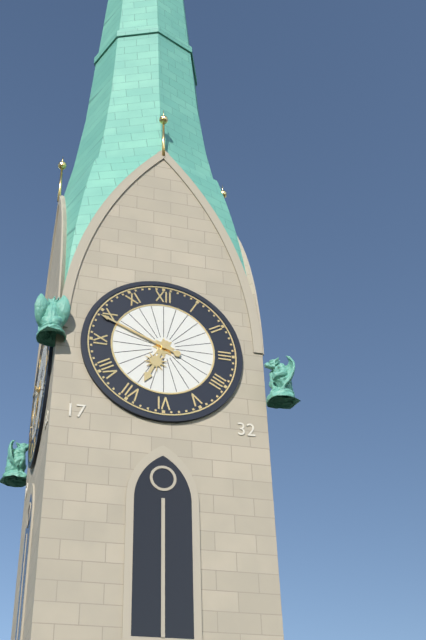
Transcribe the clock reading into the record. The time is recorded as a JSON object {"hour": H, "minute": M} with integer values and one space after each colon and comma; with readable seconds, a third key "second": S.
{"hour": 6, "minute": 49}
